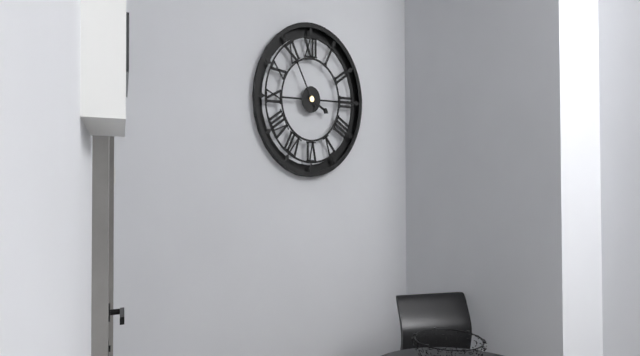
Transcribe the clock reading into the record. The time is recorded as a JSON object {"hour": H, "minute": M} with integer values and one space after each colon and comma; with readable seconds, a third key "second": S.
{"hour": 3, "minute": 55}
